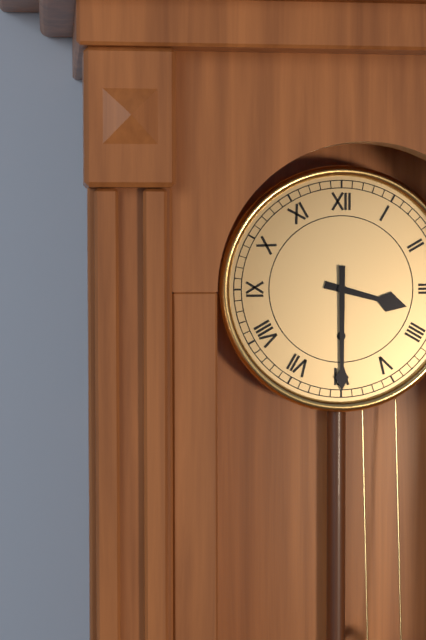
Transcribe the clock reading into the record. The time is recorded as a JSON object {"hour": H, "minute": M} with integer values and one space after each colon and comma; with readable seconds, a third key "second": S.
{"hour": 3, "minute": 30}
